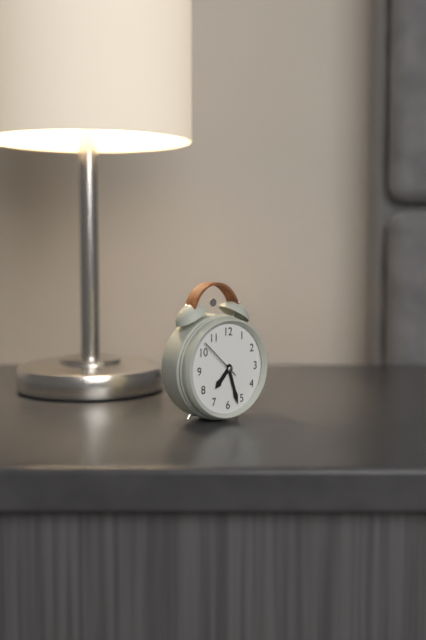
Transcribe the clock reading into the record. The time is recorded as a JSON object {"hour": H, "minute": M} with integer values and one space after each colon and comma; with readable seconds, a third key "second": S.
{"hour": 7, "minute": 27}
